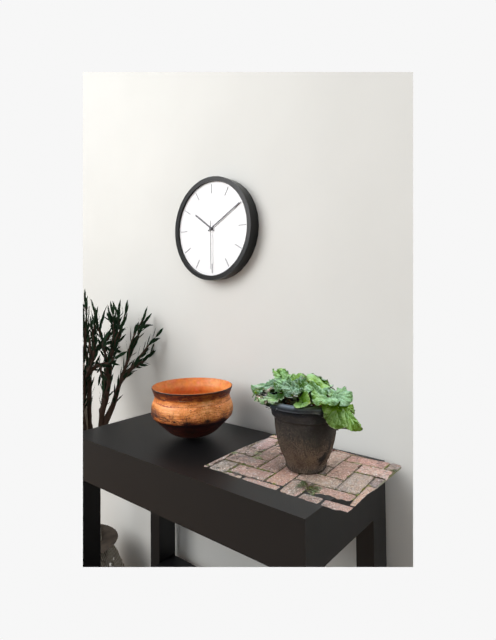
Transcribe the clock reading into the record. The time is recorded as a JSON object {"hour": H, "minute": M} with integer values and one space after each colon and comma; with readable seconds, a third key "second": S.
{"hour": 10, "minute": 10, "second": 30}
